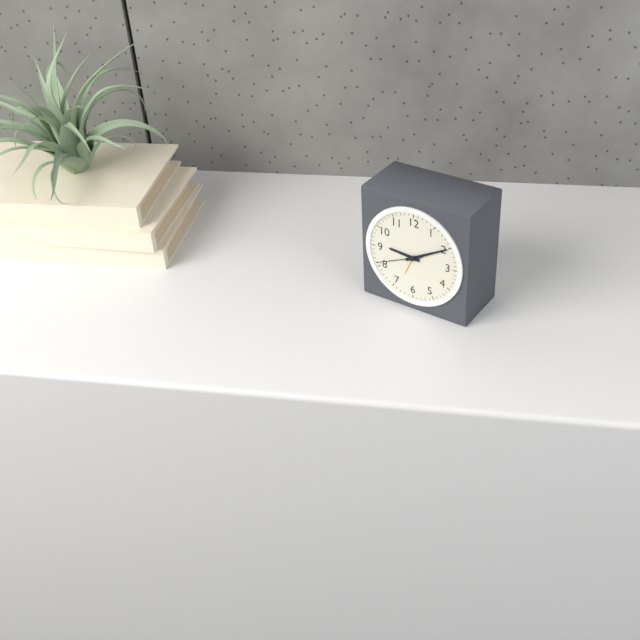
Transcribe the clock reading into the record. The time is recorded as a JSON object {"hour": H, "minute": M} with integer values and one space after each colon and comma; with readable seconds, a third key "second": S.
{"hour": 9, "minute": 10}
